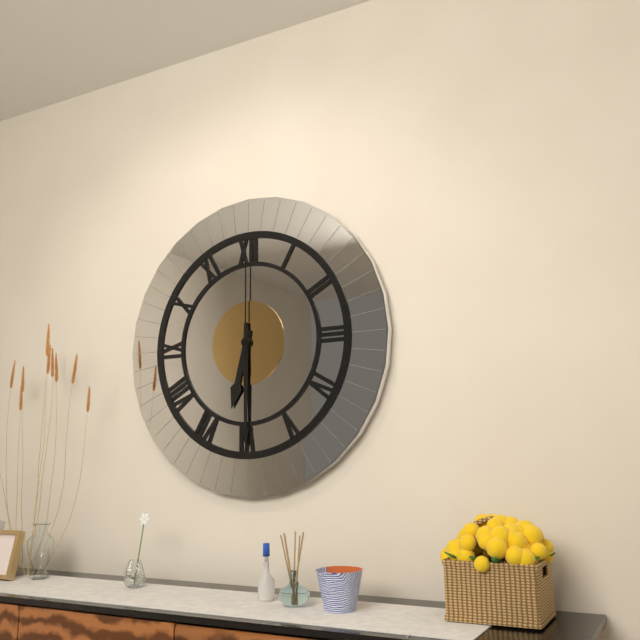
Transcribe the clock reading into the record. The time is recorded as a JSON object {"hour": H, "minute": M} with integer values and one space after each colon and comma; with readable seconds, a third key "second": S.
{"hour": 6, "minute": 30, "second": 0}
